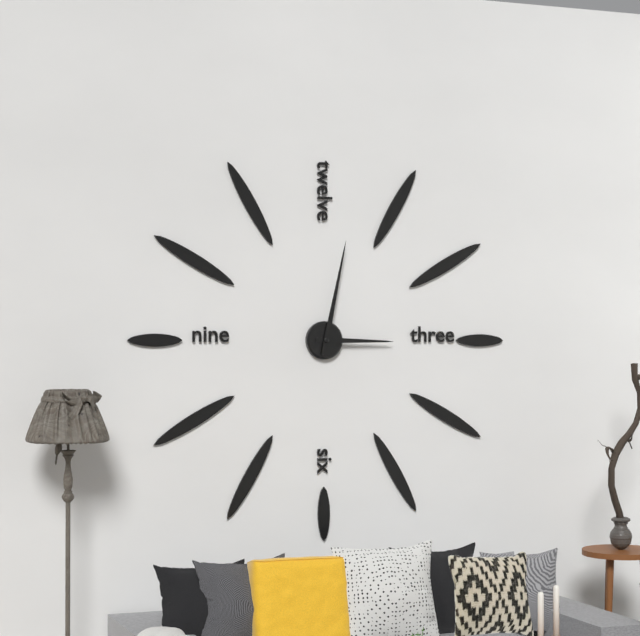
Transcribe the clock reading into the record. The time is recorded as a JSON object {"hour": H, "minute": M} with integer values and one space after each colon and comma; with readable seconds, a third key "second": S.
{"hour": 3, "minute": 2}
